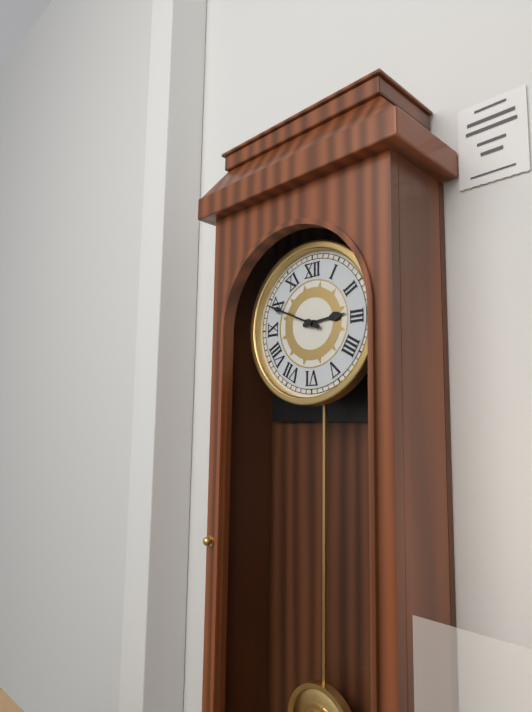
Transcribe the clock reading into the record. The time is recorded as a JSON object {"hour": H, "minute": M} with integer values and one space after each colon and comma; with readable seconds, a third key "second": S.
{"hour": 2, "minute": 49}
